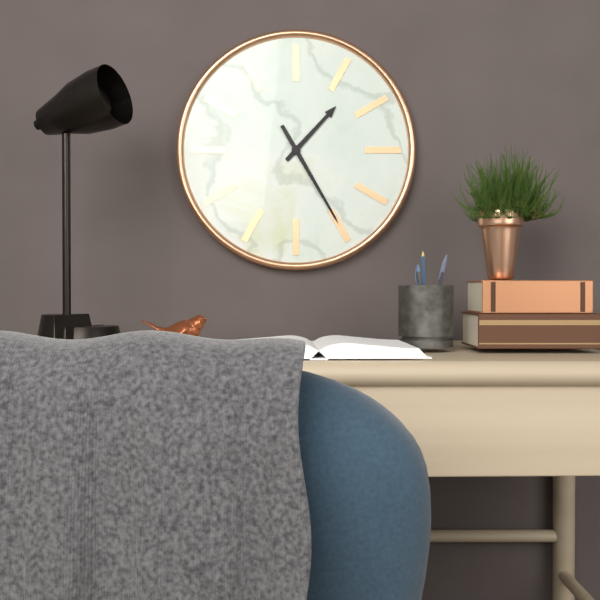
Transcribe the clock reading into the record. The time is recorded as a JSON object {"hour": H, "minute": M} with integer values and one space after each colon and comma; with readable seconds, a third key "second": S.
{"hour": 1, "minute": 25}
